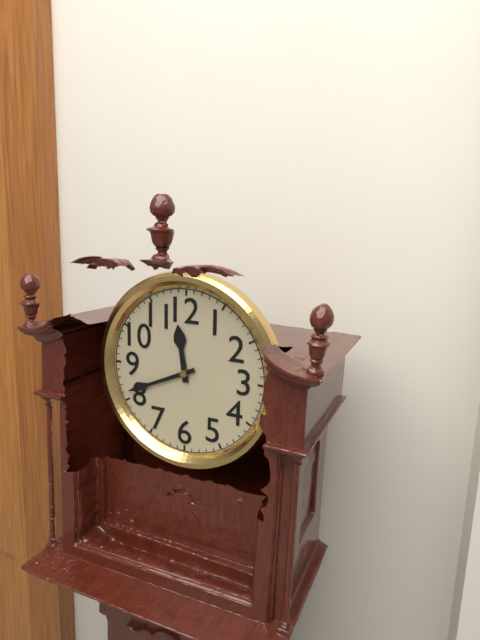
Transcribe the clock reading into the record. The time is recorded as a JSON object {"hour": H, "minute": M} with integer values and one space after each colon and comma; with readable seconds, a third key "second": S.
{"hour": 11, "minute": 41}
